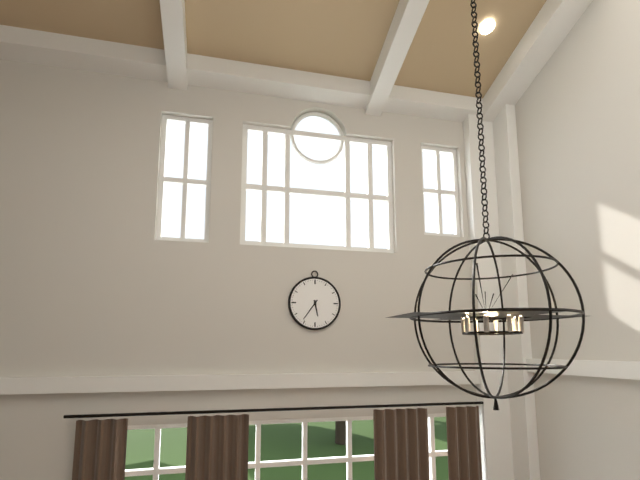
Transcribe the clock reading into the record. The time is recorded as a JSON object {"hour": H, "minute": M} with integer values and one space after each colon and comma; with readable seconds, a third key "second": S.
{"hour": 5, "minute": 36}
